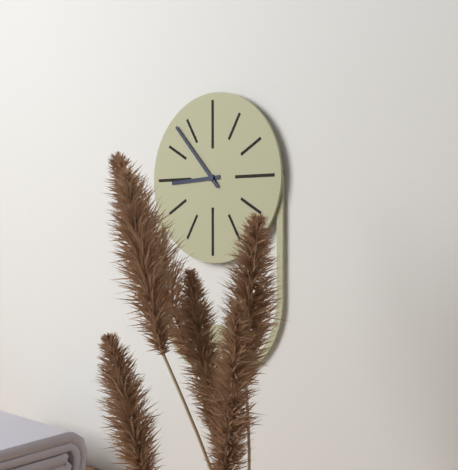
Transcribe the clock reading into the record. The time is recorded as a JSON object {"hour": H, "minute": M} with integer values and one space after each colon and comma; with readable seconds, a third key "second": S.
{"hour": 8, "minute": 53}
